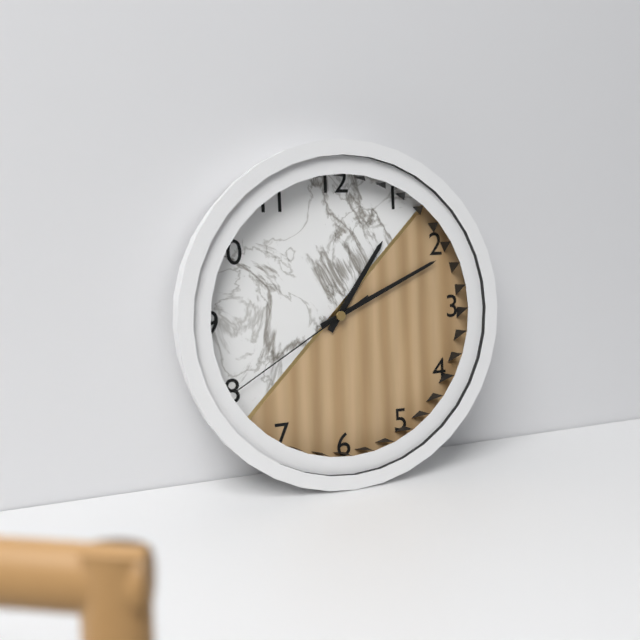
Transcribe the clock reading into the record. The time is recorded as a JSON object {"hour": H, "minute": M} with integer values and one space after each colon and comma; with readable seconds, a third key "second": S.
{"hour": 1, "minute": 11, "second": 40}
